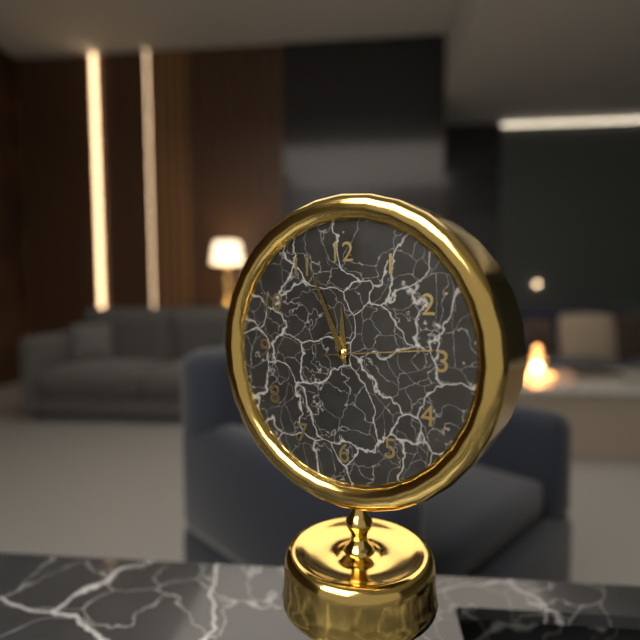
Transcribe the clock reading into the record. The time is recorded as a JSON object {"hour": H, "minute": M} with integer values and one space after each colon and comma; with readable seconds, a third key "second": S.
{"hour": 11, "minute": 56, "second": 14}
